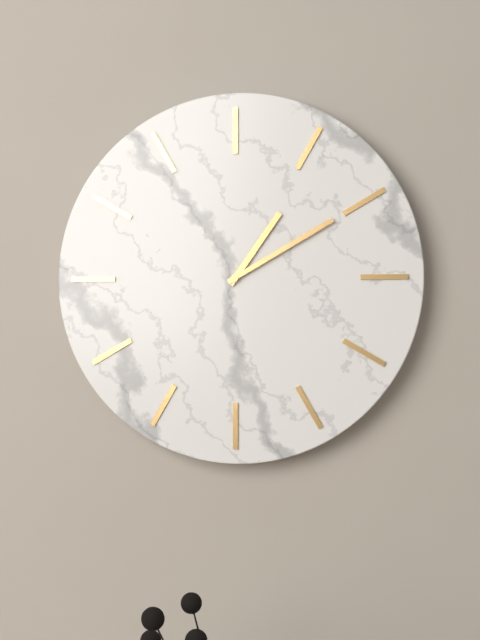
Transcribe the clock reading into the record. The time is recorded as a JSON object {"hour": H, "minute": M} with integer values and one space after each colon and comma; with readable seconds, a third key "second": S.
{"hour": 1, "minute": 10}
